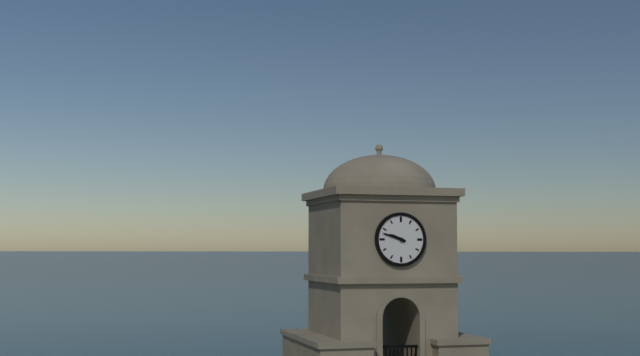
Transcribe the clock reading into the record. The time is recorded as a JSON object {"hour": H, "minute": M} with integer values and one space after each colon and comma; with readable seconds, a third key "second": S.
{"hour": 9, "minute": 48}
